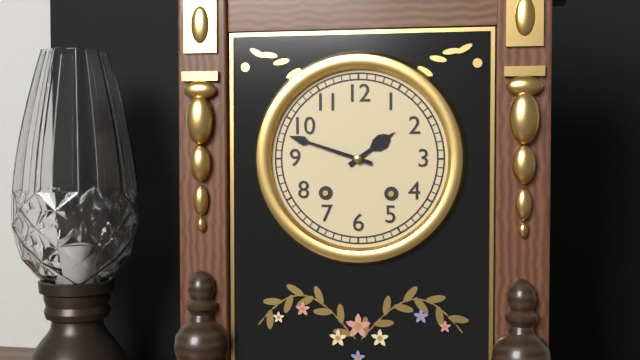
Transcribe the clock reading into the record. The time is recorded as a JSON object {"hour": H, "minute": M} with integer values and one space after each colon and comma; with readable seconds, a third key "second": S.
{"hour": 1, "minute": 48}
